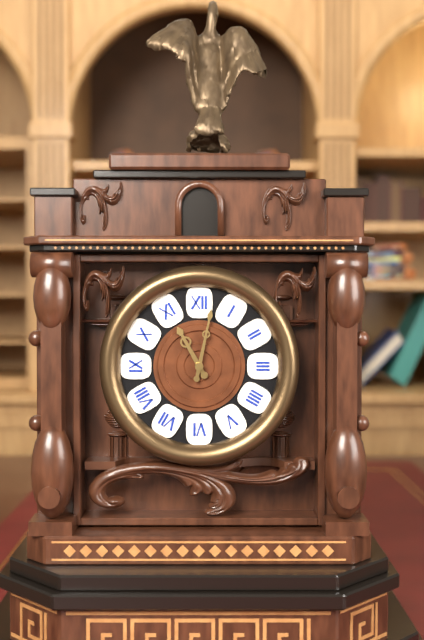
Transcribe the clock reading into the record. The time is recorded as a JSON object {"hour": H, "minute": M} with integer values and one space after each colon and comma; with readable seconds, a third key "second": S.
{"hour": 11, "minute": 2}
